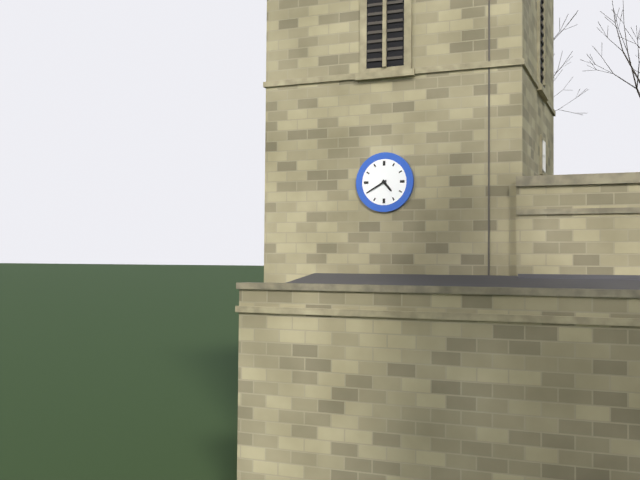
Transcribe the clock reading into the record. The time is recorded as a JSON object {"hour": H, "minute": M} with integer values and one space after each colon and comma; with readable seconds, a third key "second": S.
{"hour": 4, "minute": 40}
